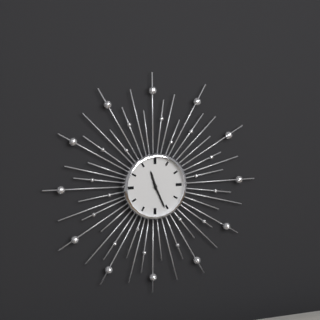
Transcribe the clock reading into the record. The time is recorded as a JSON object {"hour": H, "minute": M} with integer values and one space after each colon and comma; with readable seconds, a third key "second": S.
{"hour": 11, "minute": 26}
